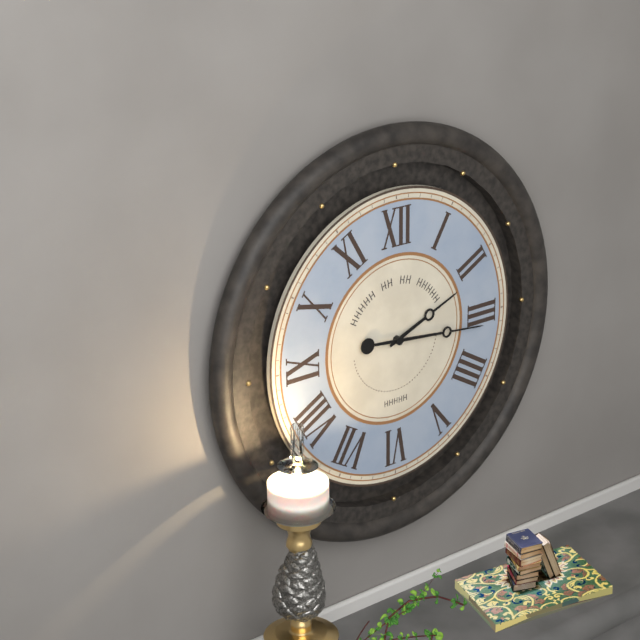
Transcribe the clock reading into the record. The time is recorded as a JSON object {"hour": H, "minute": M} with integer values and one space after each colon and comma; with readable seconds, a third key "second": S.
{"hour": 2, "minute": 16}
